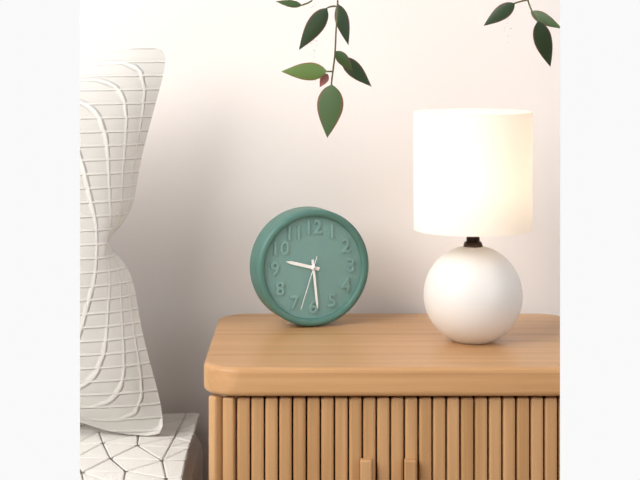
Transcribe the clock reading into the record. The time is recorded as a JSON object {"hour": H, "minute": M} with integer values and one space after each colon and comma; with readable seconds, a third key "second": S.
{"hour": 9, "minute": 29, "second": 33}
